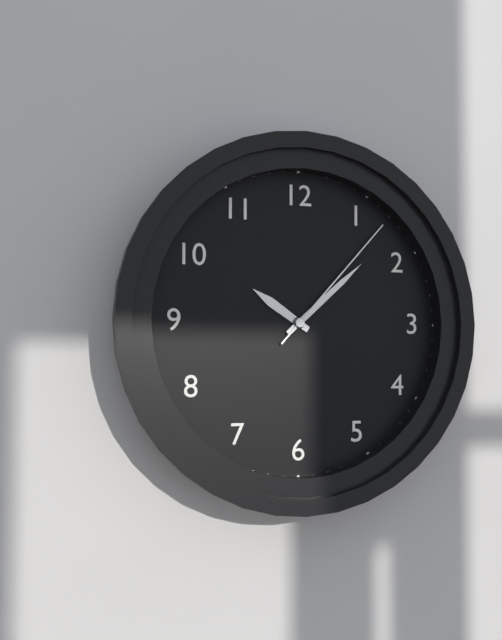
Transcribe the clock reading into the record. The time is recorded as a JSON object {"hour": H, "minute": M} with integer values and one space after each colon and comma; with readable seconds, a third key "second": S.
{"hour": 10, "minute": 8, "second": 7}
